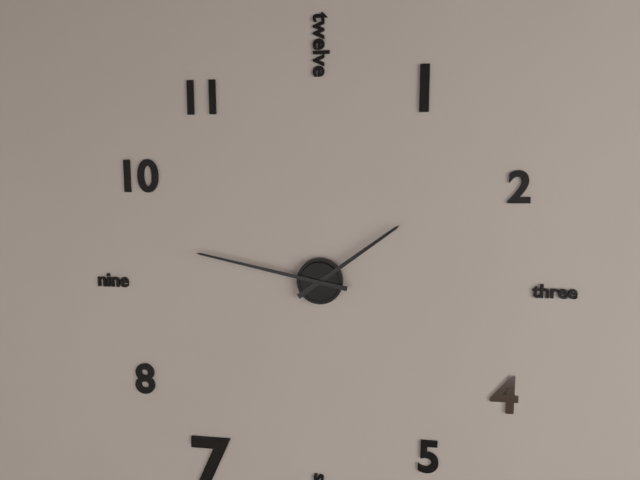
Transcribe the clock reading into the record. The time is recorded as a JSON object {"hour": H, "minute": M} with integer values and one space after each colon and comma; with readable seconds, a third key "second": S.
{"hour": 1, "minute": 47}
